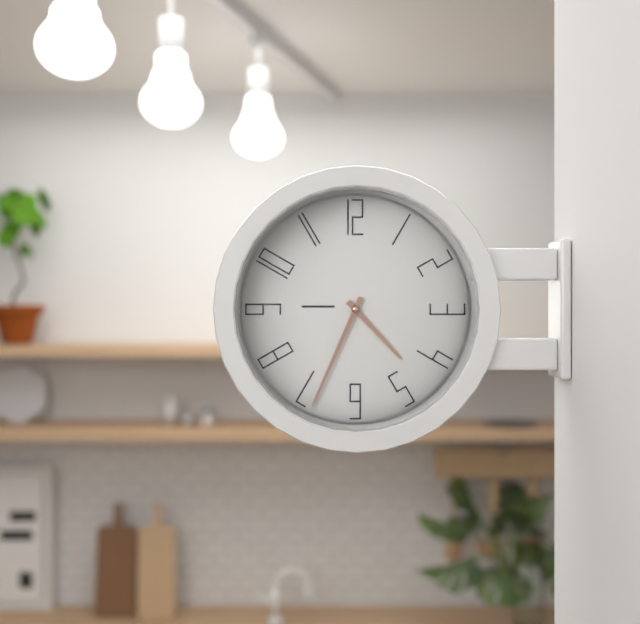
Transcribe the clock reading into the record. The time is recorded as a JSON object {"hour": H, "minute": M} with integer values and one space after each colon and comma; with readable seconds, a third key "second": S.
{"hour": 4, "minute": 34}
